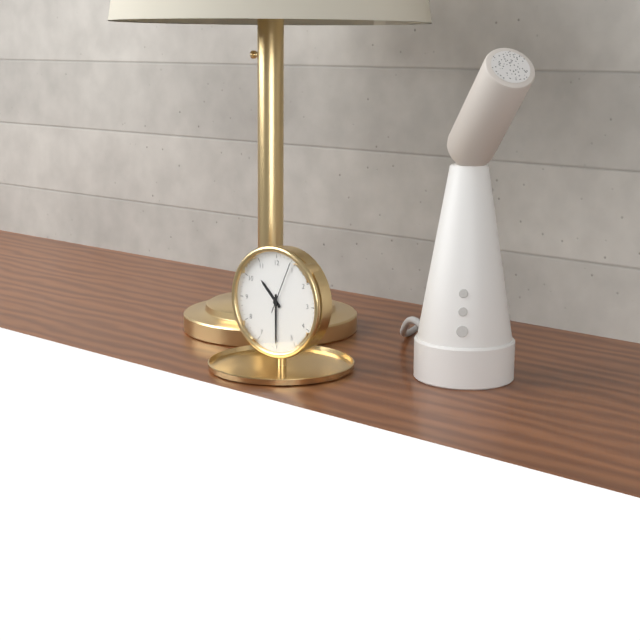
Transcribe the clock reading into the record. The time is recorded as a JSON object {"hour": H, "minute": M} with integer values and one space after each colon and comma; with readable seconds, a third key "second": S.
{"hour": 10, "minute": 30, "second": 4}
